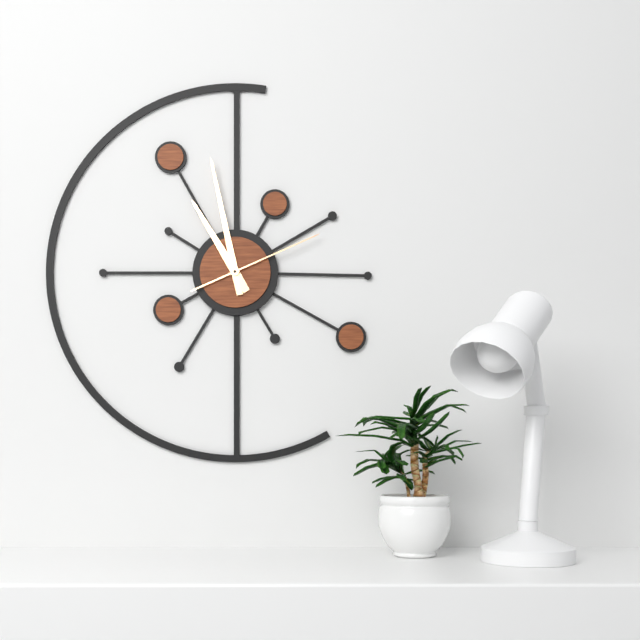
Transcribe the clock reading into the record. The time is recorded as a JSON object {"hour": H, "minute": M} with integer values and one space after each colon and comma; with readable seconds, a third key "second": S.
{"hour": 10, "minute": 58, "second": 11}
